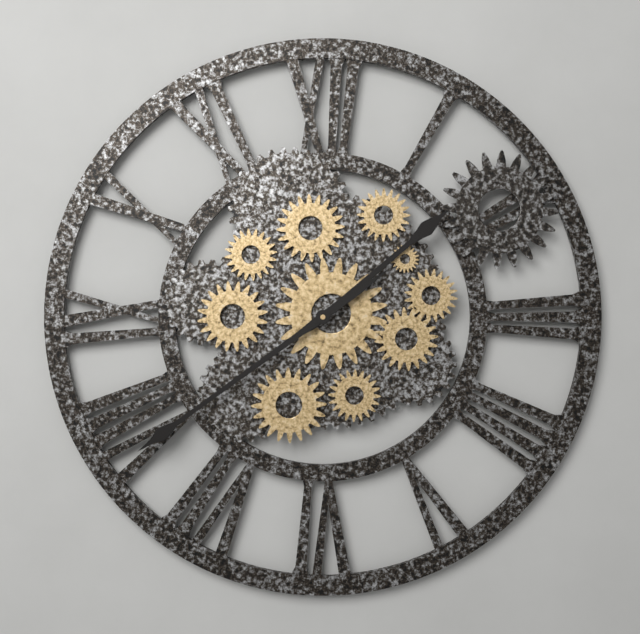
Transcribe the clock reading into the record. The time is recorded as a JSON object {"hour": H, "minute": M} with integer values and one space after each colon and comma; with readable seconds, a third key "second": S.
{"hour": 1, "minute": 39}
